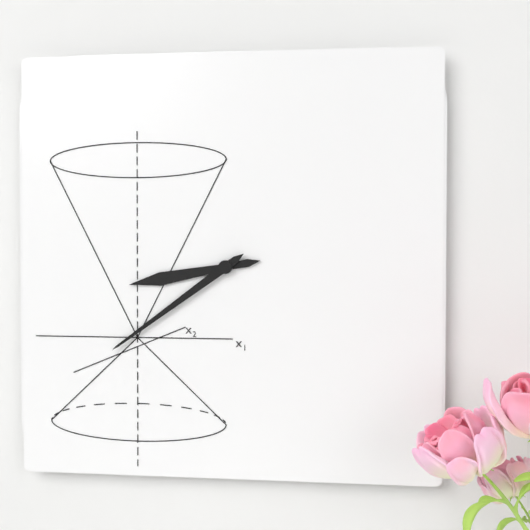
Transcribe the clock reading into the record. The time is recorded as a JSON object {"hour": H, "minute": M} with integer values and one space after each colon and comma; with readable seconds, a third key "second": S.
{"hour": 8, "minute": 39}
